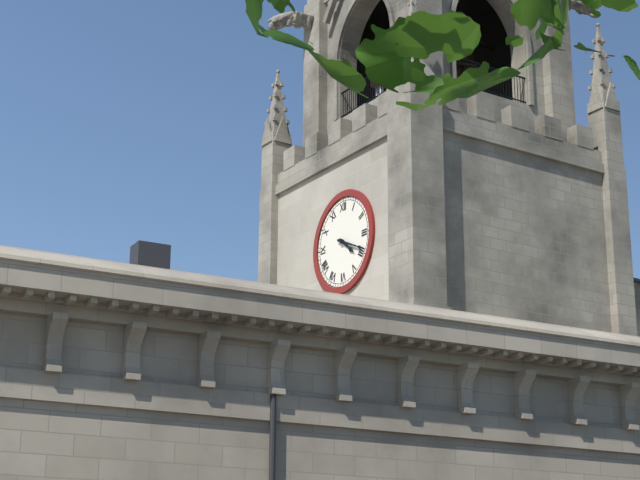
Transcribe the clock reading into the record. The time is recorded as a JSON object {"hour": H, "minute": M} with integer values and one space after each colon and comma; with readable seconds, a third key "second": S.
{"hour": 4, "minute": 19}
